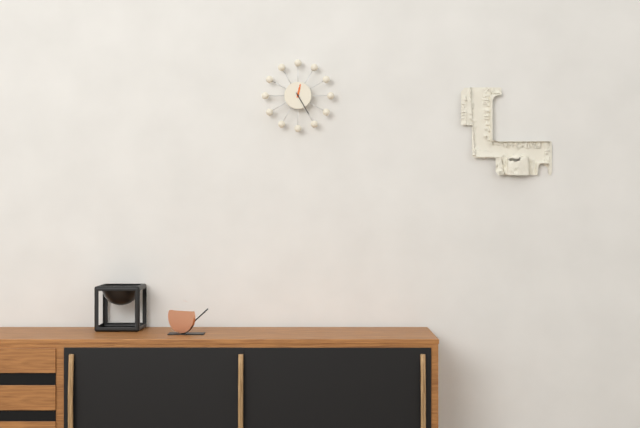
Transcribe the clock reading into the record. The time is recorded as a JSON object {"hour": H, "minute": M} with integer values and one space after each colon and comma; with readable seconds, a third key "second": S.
{"hour": 12, "minute": 25}
